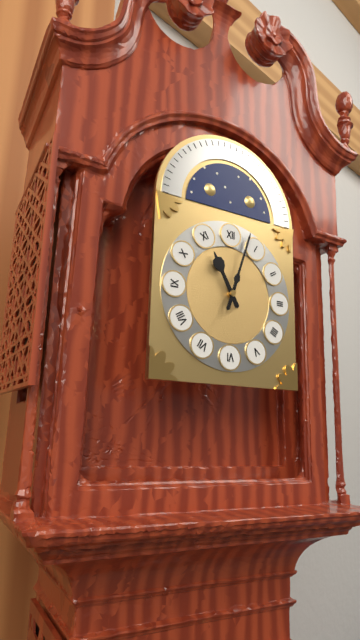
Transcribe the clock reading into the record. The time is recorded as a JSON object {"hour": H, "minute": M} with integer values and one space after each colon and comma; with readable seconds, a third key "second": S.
{"hour": 11, "minute": 3}
